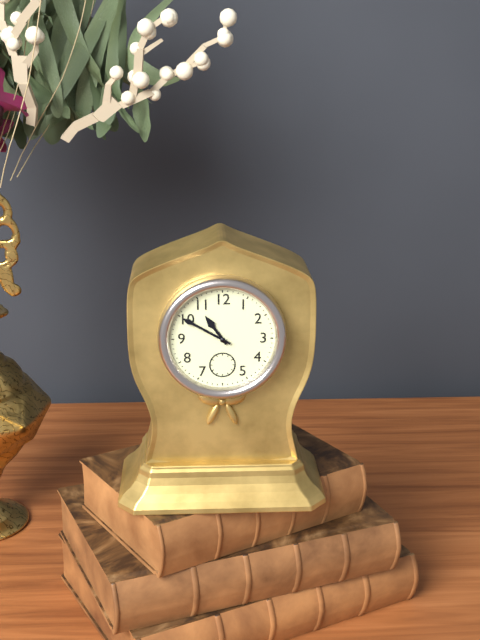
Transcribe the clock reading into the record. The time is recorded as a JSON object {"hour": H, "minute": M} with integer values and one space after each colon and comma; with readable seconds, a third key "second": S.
{"hour": 10, "minute": 50}
